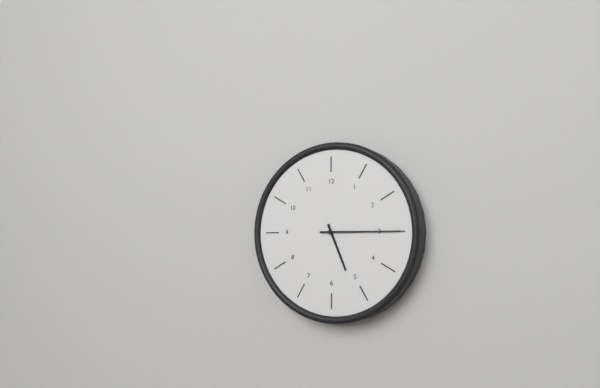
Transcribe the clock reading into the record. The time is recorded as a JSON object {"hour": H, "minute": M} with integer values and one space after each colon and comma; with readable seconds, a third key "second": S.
{"hour": 5, "minute": 15}
